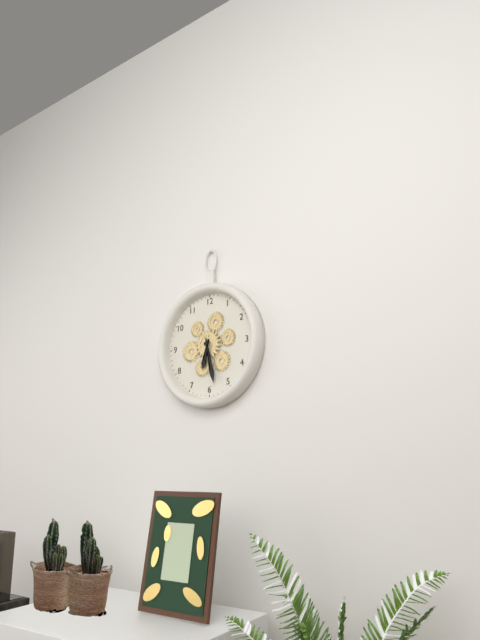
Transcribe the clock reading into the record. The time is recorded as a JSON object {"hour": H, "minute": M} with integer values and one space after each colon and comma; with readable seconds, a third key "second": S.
{"hour": 6, "minute": 28}
